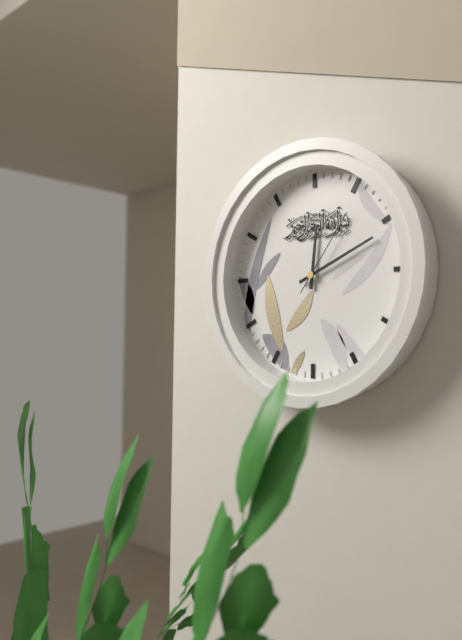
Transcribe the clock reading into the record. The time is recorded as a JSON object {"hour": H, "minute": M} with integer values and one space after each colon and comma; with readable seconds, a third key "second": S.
{"hour": 12, "minute": 11, "second": 6}
